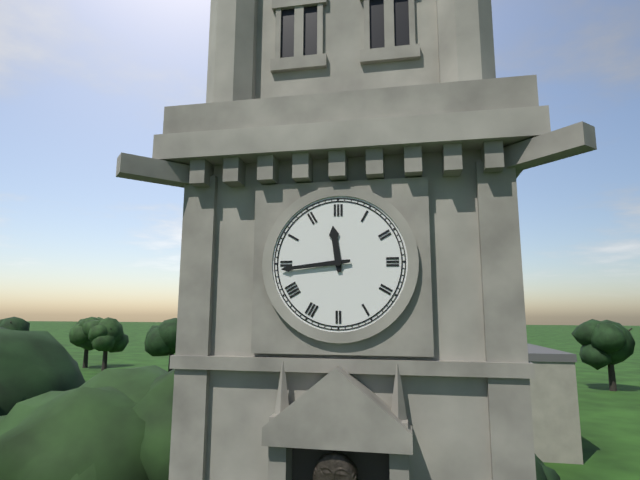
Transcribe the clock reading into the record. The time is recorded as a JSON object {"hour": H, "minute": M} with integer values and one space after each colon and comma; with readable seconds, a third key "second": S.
{"hour": 11, "minute": 44}
